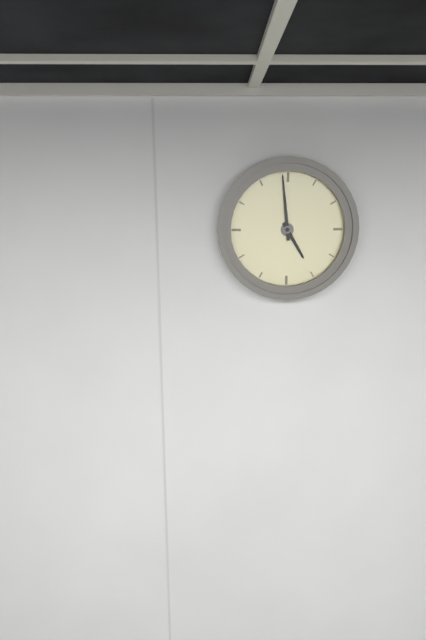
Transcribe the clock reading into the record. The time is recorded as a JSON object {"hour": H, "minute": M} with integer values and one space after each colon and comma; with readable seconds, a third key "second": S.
{"hour": 4, "minute": 59}
